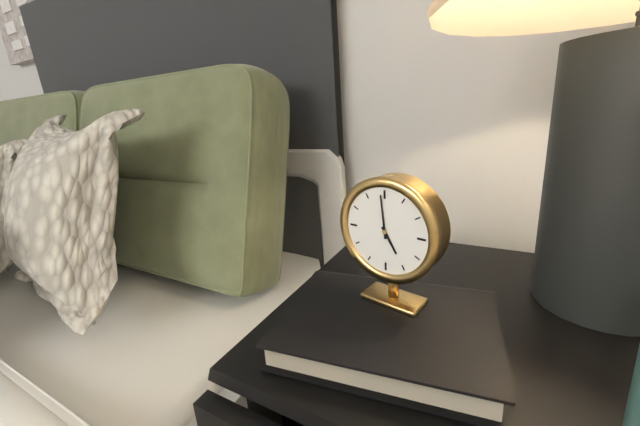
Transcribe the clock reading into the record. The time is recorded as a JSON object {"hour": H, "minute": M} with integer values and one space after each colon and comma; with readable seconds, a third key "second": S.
{"hour": 4, "minute": 59}
